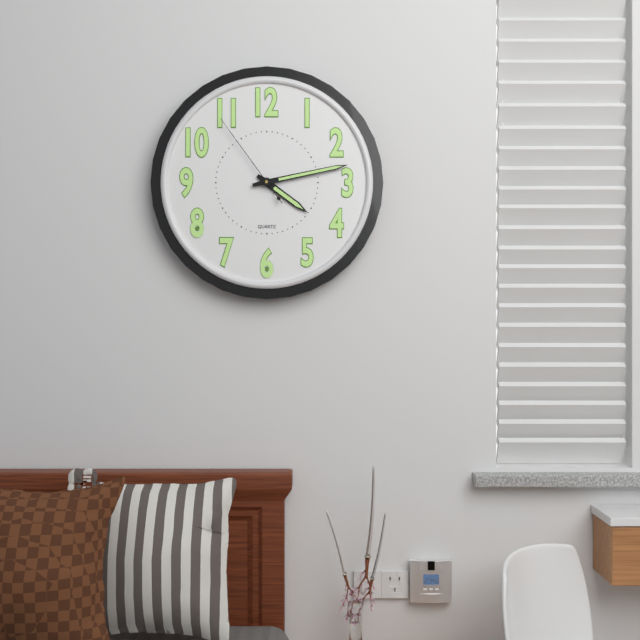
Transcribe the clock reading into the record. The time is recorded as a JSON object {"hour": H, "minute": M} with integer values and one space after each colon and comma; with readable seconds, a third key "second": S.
{"hour": 4, "minute": 13, "second": 54}
